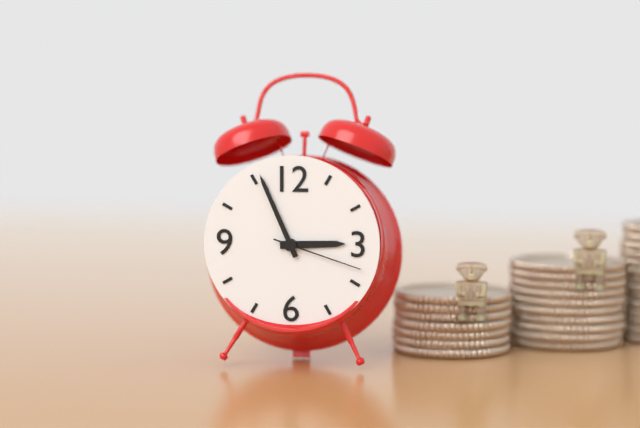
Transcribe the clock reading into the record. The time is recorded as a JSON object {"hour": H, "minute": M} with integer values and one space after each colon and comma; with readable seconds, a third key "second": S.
{"hour": 2, "minute": 56, "second": 18}
